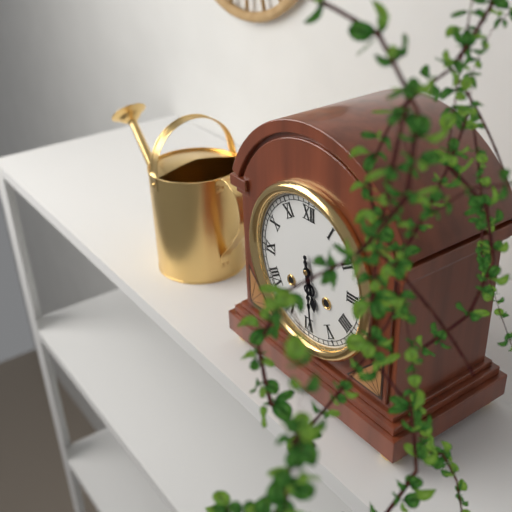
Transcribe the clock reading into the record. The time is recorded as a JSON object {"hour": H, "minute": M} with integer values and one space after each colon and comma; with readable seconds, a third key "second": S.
{"hour": 5, "minute": 29}
